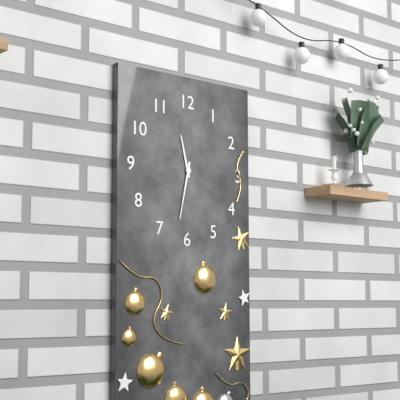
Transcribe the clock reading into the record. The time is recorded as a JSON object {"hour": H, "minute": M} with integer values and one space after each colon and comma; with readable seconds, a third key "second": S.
{"hour": 11, "minute": 32}
